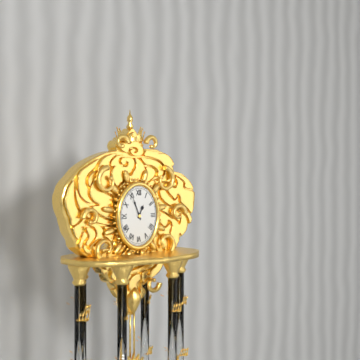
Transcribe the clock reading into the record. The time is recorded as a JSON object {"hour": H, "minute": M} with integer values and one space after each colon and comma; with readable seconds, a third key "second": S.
{"hour": 12, "minute": 56}
